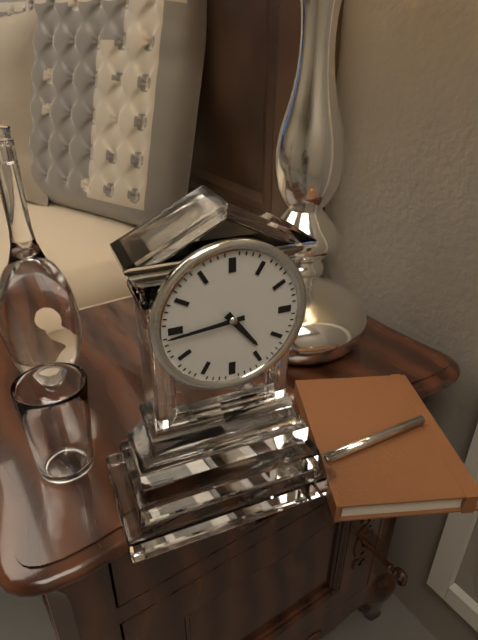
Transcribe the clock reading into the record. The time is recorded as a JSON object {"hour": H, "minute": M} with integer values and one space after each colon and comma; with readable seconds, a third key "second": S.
{"hour": 4, "minute": 44}
